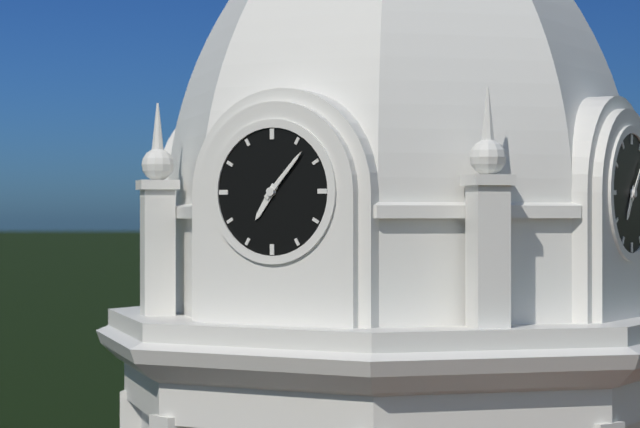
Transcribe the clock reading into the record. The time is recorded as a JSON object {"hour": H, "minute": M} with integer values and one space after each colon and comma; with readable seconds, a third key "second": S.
{"hour": 7, "minute": 7}
